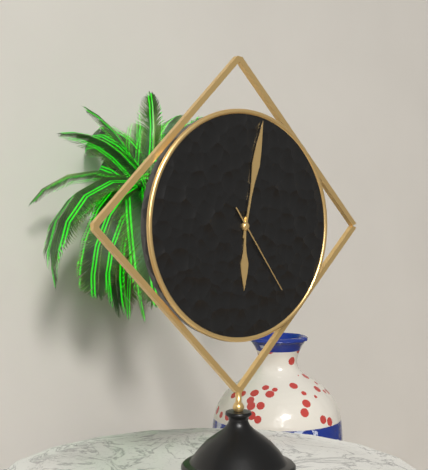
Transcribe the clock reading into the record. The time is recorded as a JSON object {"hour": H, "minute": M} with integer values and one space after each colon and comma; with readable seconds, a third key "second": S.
{"hour": 6, "minute": 2, "second": 24}
